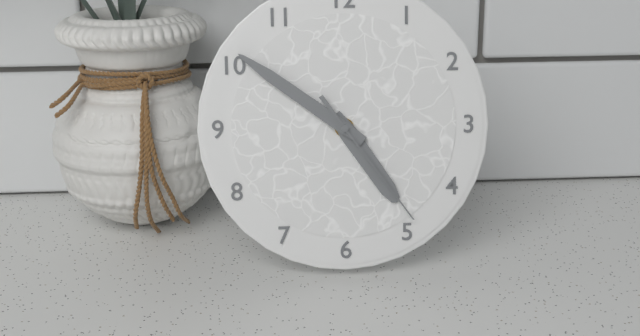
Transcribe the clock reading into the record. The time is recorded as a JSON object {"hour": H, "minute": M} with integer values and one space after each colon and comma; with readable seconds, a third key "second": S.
{"hour": 4, "minute": 51, "second": 24}
